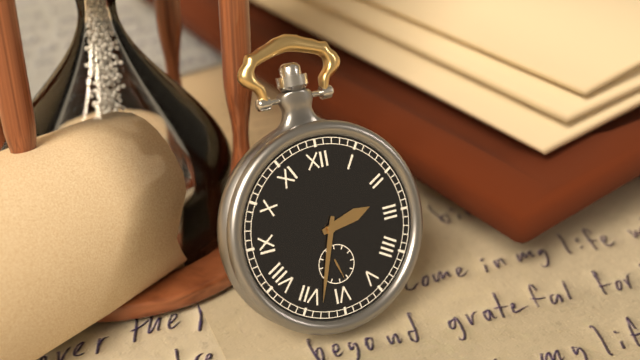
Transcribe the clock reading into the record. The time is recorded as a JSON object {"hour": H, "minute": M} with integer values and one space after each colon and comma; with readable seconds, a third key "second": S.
{"hour": 2, "minute": 33}
